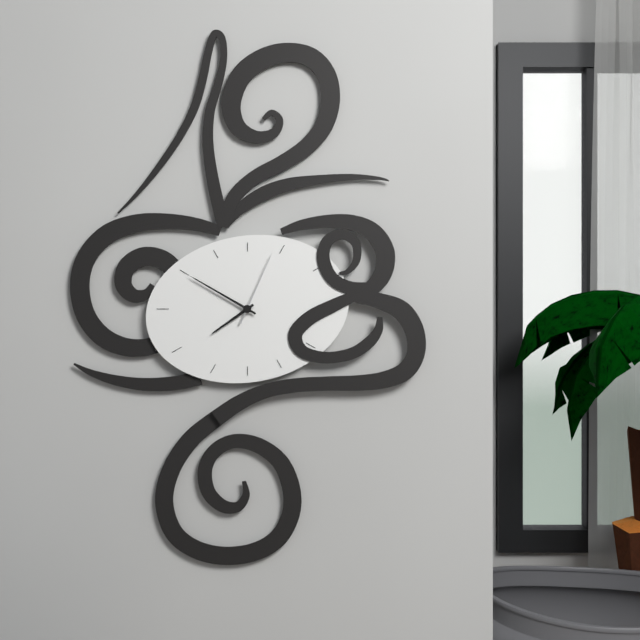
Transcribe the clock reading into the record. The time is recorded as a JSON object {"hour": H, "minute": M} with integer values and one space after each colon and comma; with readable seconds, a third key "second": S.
{"hour": 7, "minute": 50, "second": 4}
